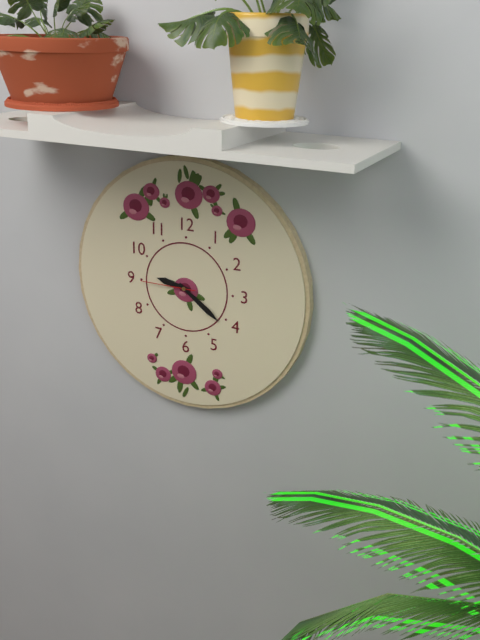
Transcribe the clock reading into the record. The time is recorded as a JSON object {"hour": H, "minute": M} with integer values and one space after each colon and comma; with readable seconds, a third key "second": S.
{"hour": 9, "minute": 21, "second": 45}
